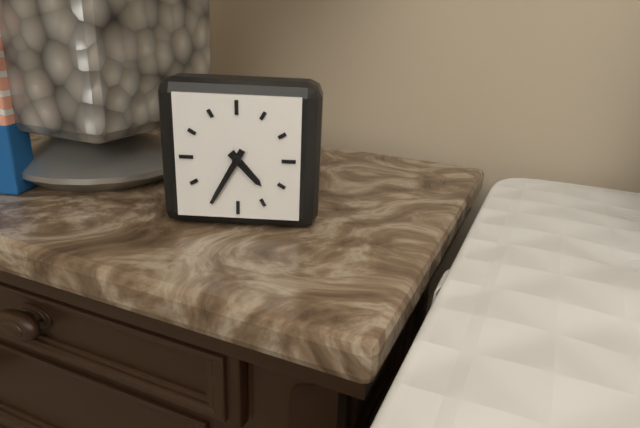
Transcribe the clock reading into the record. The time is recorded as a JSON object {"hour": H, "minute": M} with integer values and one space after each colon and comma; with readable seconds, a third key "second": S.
{"hour": 4, "minute": 35}
